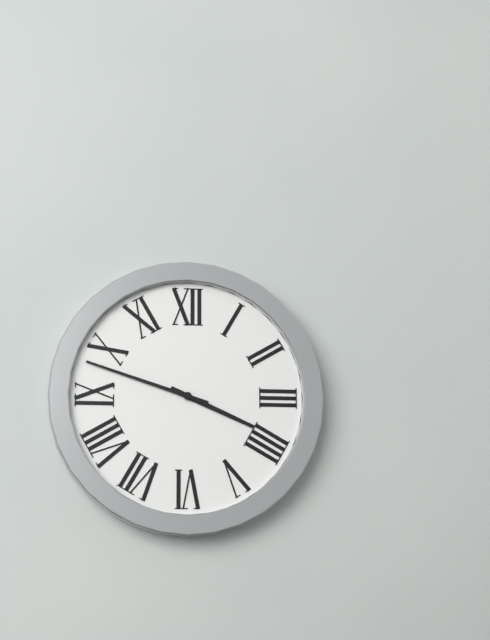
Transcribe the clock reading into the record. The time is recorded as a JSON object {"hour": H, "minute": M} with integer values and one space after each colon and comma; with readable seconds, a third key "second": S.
{"hour": 3, "minute": 48}
